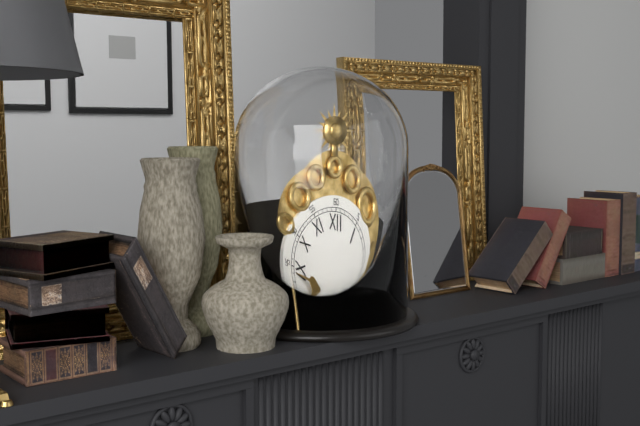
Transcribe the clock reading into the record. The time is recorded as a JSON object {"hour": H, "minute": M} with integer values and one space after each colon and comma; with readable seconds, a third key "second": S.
{"hour": 7, "minute": 44}
